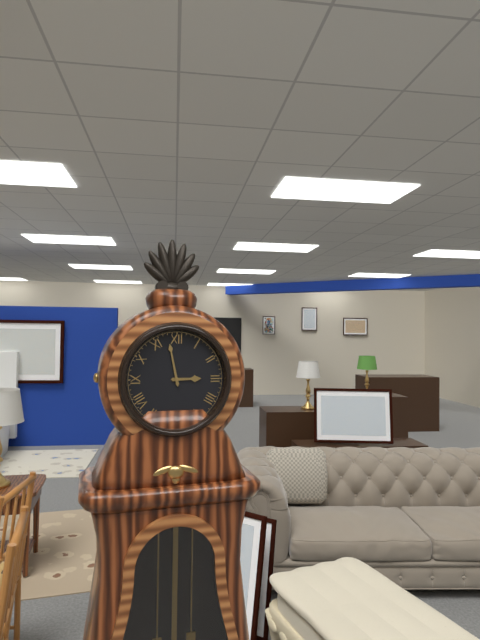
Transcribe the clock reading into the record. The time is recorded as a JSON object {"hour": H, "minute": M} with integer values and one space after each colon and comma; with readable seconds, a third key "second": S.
{"hour": 2, "minute": 58}
